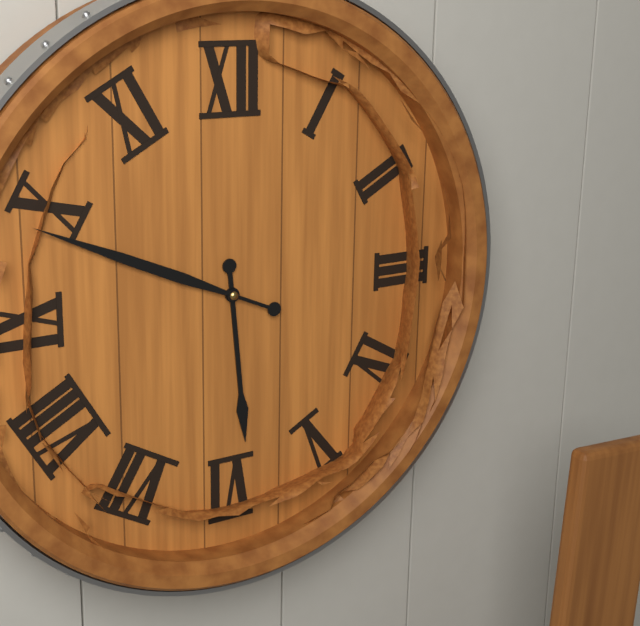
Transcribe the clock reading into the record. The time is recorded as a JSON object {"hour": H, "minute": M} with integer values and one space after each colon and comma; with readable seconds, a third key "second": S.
{"hour": 5, "minute": 49}
